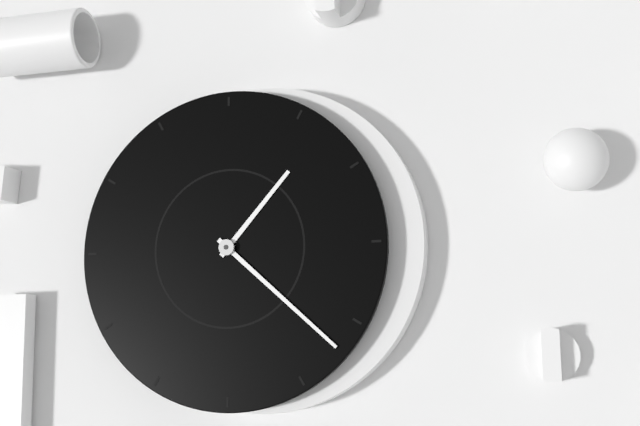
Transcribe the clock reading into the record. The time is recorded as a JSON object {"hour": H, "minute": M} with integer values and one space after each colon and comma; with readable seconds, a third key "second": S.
{"hour": 1, "minute": 22}
